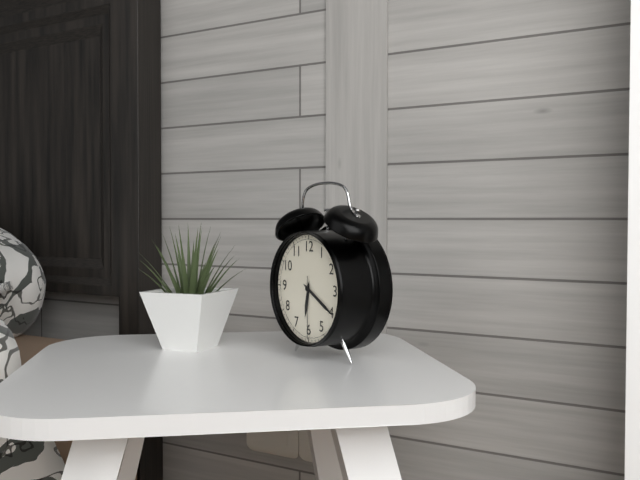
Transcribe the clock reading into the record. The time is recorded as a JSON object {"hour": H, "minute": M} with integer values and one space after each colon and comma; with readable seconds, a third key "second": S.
{"hour": 6, "minute": 20, "second": 30}
